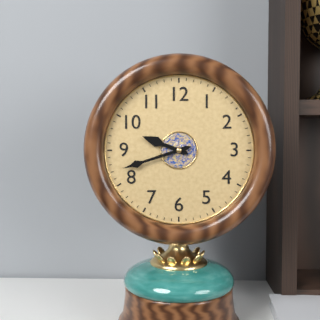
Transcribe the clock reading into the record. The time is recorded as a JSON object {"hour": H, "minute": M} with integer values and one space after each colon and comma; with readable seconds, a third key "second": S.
{"hour": 9, "minute": 42}
